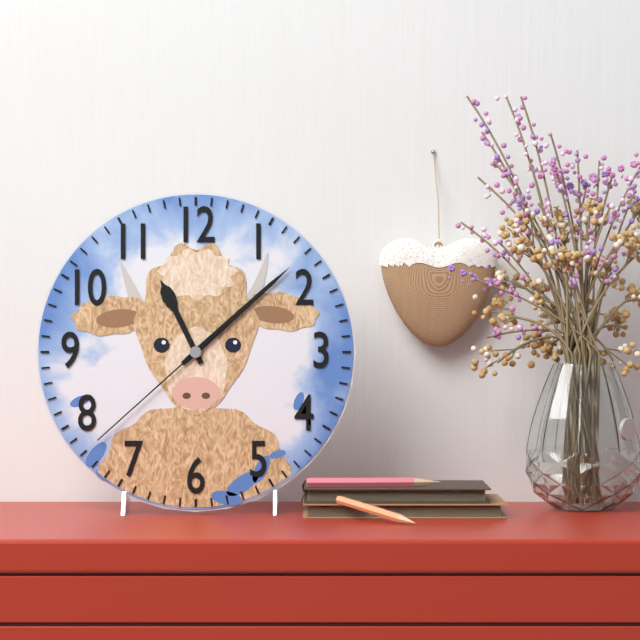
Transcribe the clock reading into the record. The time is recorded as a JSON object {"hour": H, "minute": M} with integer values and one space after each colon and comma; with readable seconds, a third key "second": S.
{"hour": 11, "minute": 8, "second": 38}
